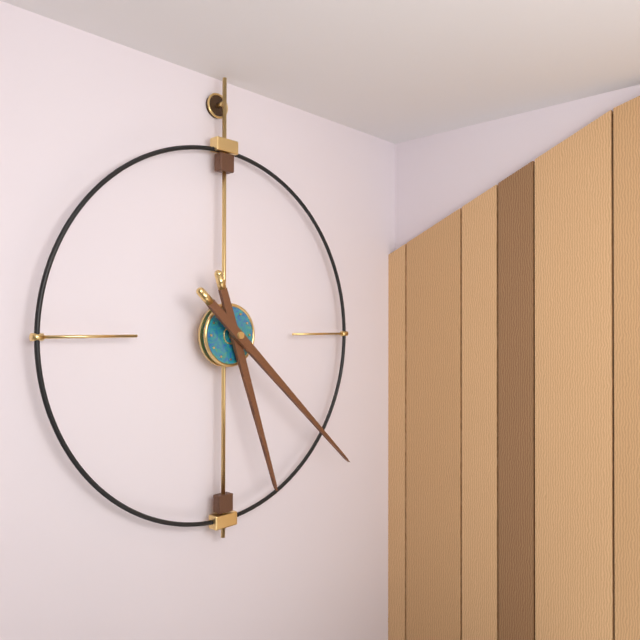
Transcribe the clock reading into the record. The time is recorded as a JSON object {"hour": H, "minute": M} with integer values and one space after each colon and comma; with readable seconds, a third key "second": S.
{"hour": 5, "minute": 22}
